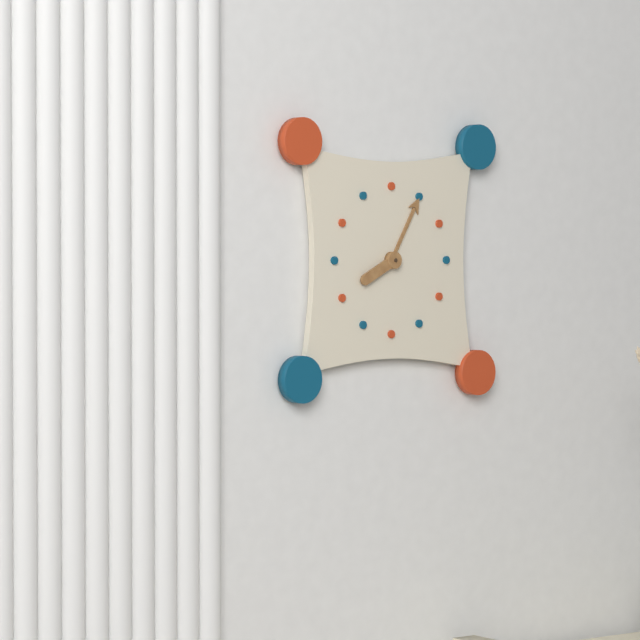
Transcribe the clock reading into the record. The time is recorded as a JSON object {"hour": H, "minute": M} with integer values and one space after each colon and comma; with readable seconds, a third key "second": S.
{"hour": 8, "minute": 5}
